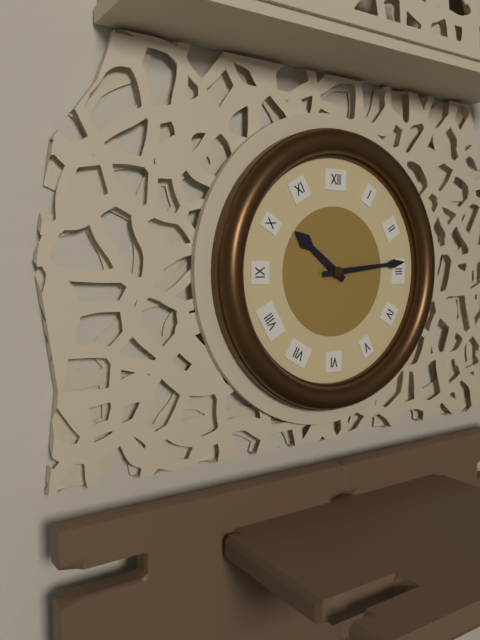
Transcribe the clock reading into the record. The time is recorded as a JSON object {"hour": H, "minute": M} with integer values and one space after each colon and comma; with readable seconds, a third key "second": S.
{"hour": 10, "minute": 14}
